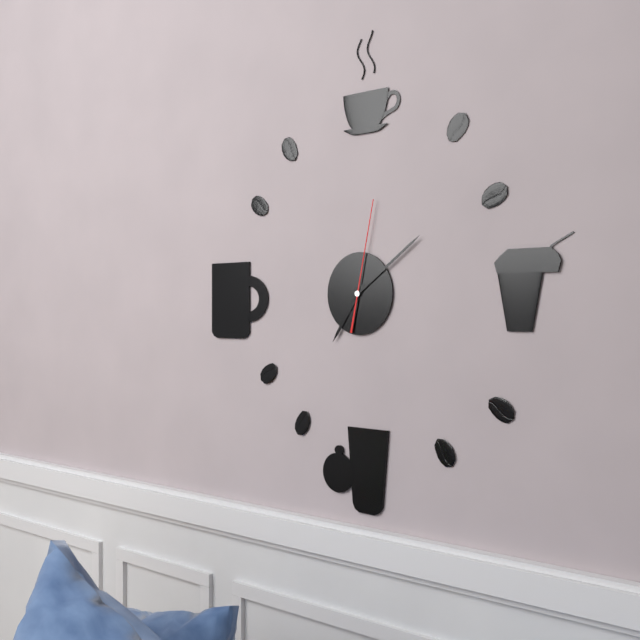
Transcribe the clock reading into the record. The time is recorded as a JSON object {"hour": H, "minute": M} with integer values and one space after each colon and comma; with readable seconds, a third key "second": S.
{"hour": 7, "minute": 9, "second": 2}
